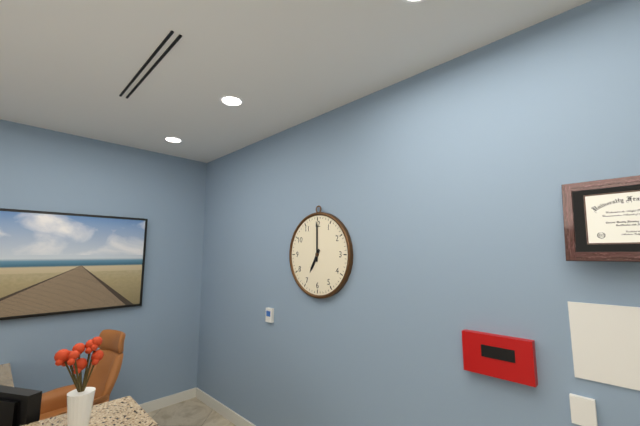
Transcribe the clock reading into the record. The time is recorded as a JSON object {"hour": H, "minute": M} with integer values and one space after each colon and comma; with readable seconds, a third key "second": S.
{"hour": 7, "minute": 0}
